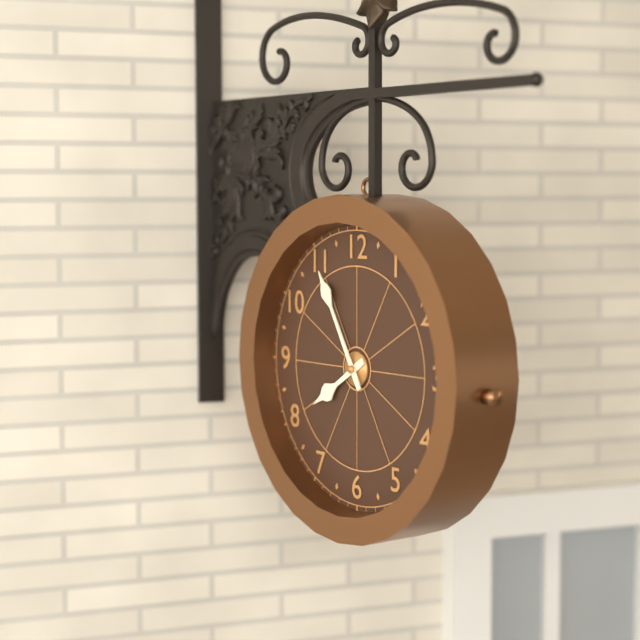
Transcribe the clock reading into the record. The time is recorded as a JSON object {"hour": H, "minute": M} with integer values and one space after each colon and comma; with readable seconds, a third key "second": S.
{"hour": 7, "minute": 55}
